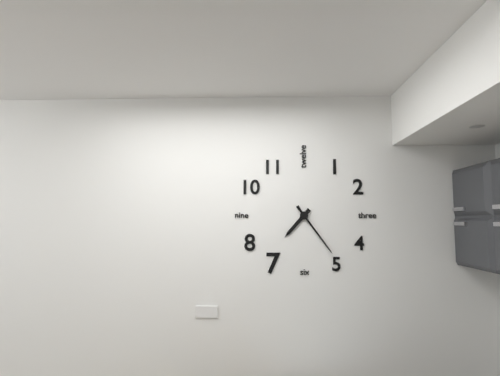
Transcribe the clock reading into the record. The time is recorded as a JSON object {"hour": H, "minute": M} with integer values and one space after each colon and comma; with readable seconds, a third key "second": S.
{"hour": 7, "minute": 24}
